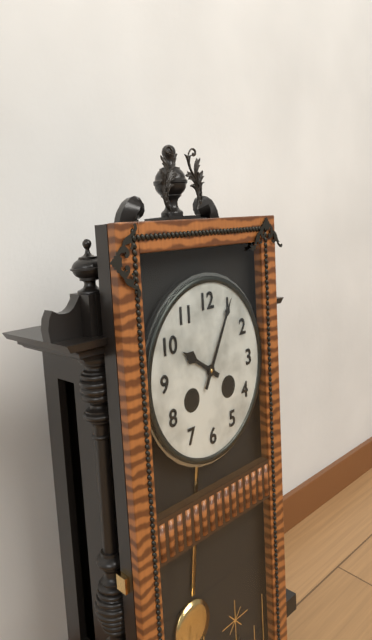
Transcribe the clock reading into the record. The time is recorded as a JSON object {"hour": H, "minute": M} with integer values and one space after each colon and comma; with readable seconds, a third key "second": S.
{"hour": 10, "minute": 5}
